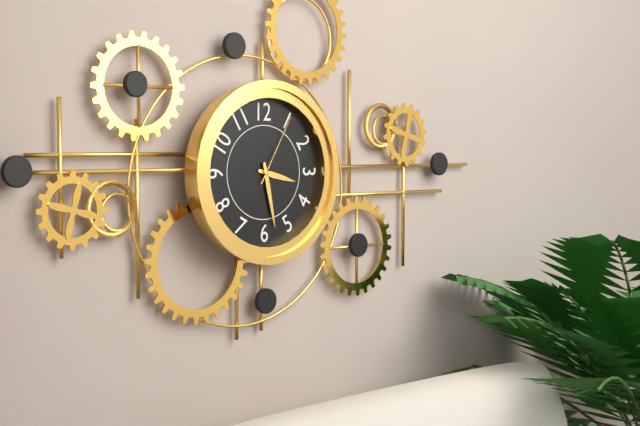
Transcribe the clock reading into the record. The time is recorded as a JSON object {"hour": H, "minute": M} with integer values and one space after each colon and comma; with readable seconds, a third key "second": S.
{"hour": 3, "minute": 28, "second": 5}
